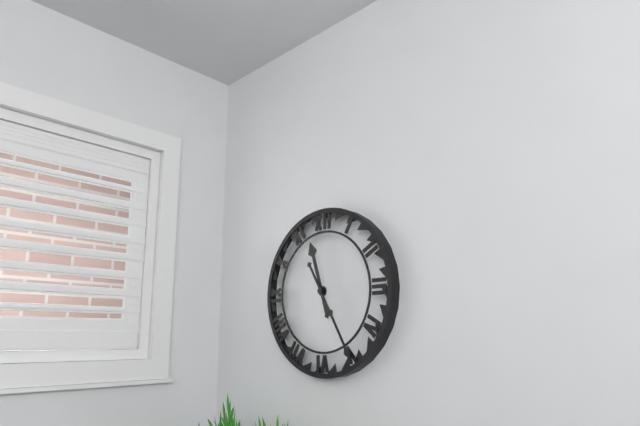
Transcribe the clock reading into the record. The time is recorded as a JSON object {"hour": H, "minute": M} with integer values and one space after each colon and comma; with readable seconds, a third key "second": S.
{"hour": 11, "minute": 25}
